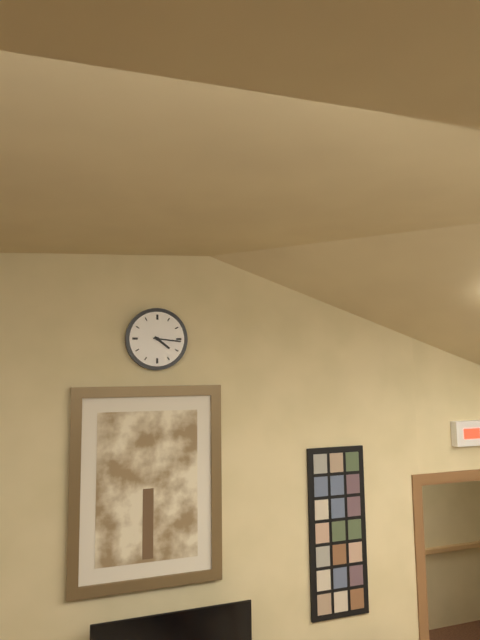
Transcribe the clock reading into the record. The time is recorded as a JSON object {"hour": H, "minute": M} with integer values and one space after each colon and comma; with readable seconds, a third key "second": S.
{"hour": 4, "minute": 16}
